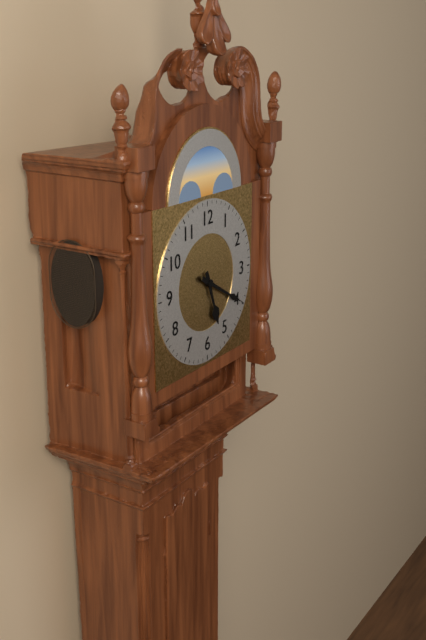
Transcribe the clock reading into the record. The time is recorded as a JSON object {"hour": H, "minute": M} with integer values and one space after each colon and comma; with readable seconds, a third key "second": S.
{"hour": 5, "minute": 20}
